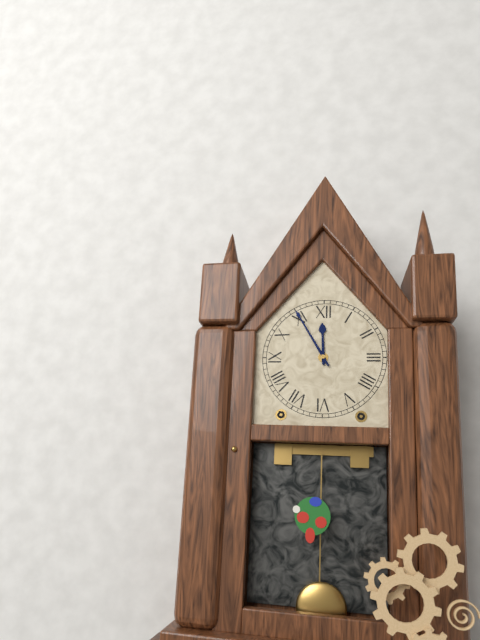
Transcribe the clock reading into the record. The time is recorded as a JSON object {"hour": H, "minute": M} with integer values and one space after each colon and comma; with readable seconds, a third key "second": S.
{"hour": 11, "minute": 55}
